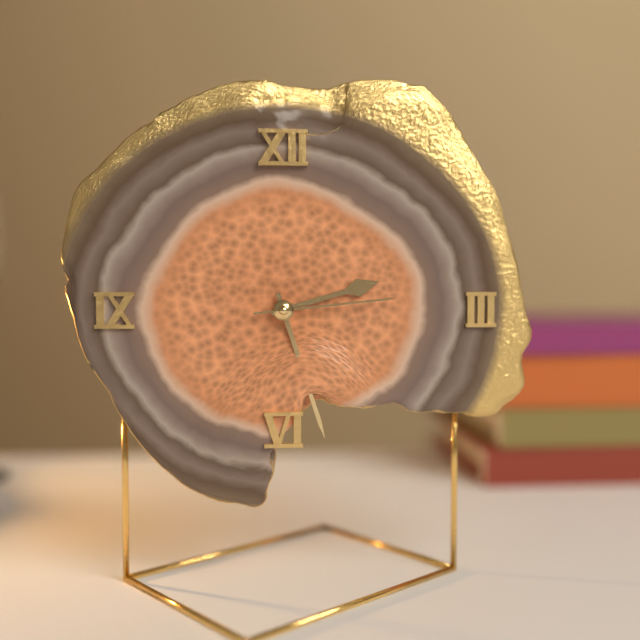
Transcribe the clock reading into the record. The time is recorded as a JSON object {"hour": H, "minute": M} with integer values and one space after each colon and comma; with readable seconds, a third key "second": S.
{"hour": 2, "minute": 27, "second": 14}
